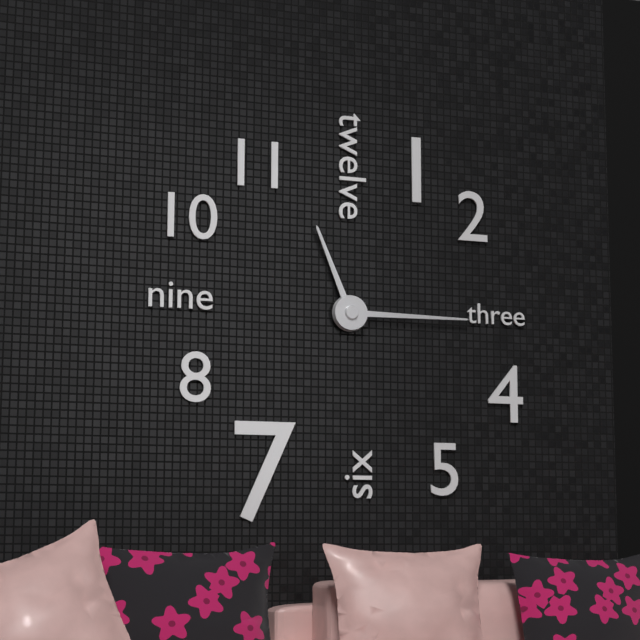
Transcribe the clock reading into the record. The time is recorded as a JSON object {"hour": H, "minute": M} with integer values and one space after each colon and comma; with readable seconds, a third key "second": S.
{"hour": 11, "minute": 15}
